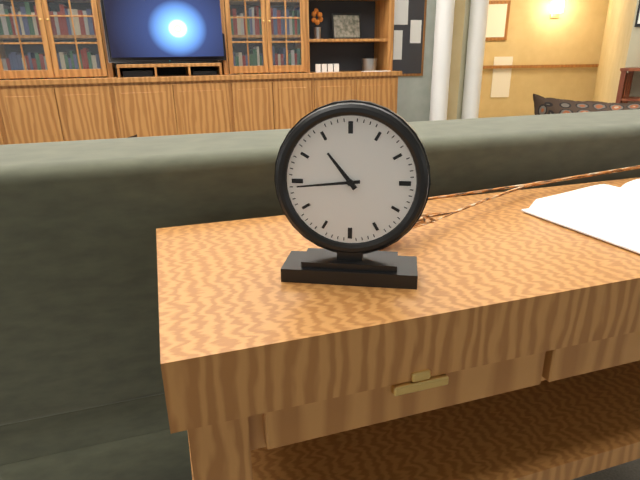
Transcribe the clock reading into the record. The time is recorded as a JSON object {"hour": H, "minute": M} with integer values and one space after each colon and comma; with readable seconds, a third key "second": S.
{"hour": 10, "minute": 44}
